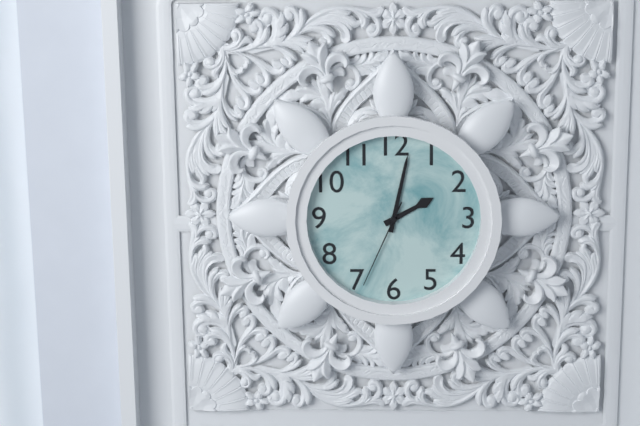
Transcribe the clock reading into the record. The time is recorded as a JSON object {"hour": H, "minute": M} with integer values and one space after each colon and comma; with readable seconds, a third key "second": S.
{"hour": 2, "minute": 2, "second": 34}
